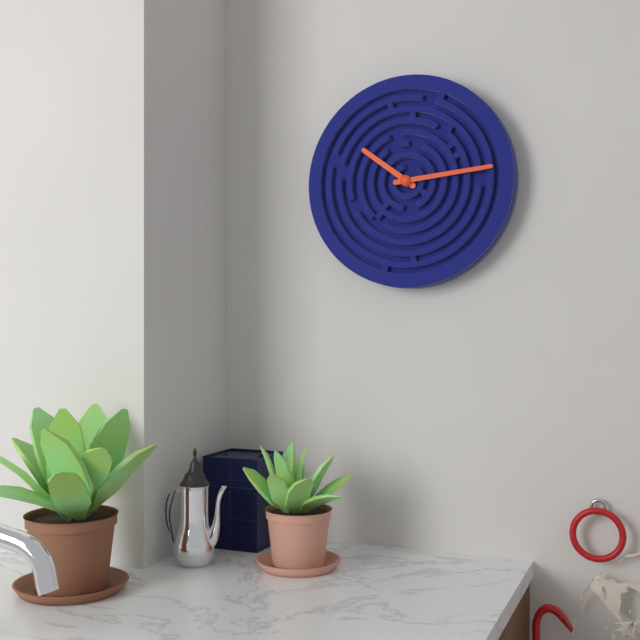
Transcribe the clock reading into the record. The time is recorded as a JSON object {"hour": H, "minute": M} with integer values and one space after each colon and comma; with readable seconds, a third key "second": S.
{"hour": 10, "minute": 14}
